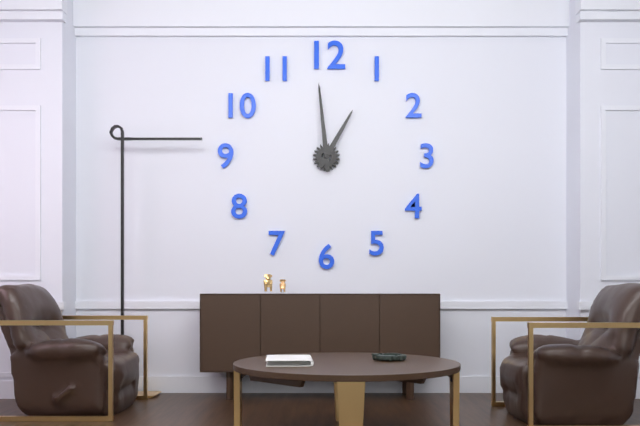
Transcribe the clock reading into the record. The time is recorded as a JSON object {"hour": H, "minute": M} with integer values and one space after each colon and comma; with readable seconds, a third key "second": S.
{"hour": 12, "minute": 59}
